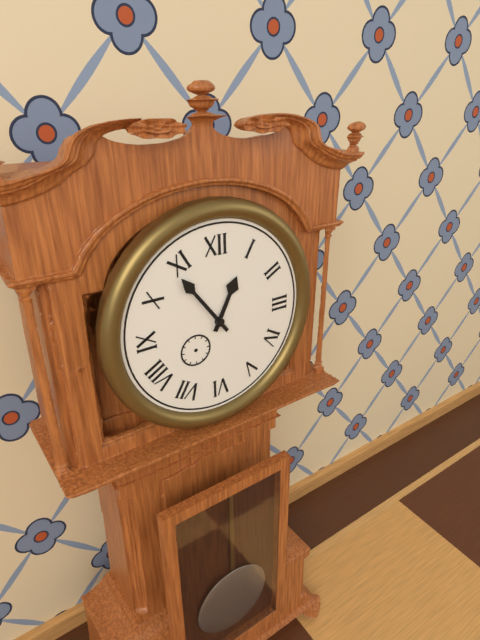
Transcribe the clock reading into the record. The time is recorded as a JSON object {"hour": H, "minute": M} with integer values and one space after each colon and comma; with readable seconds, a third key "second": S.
{"hour": 12, "minute": 54}
